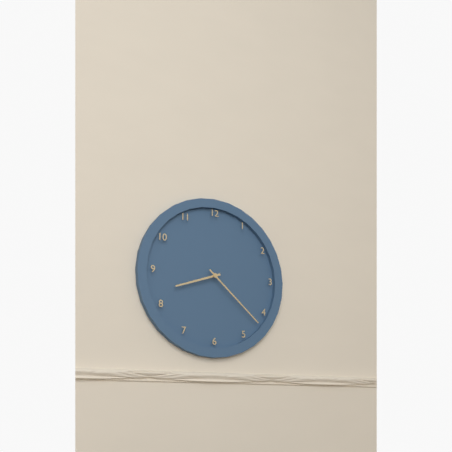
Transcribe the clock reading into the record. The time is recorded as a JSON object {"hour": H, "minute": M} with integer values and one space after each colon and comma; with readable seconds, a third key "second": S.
{"hour": 8, "minute": 22}
